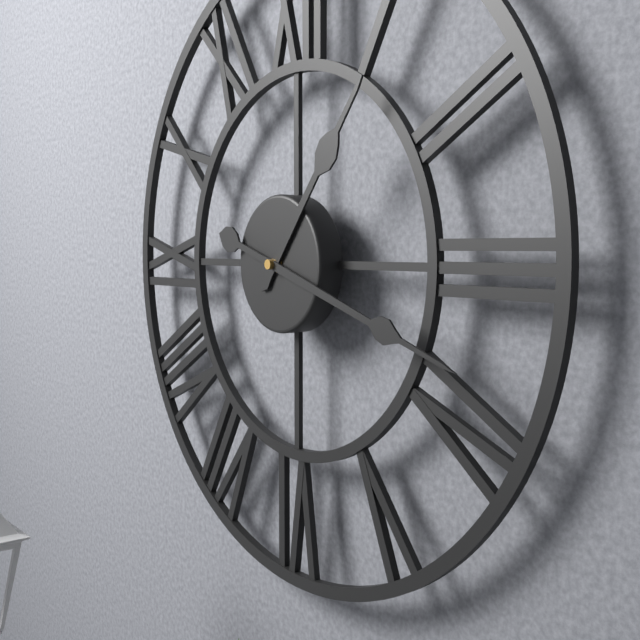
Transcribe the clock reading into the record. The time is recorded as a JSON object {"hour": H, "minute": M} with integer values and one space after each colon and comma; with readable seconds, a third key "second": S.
{"hour": 1, "minute": 18}
